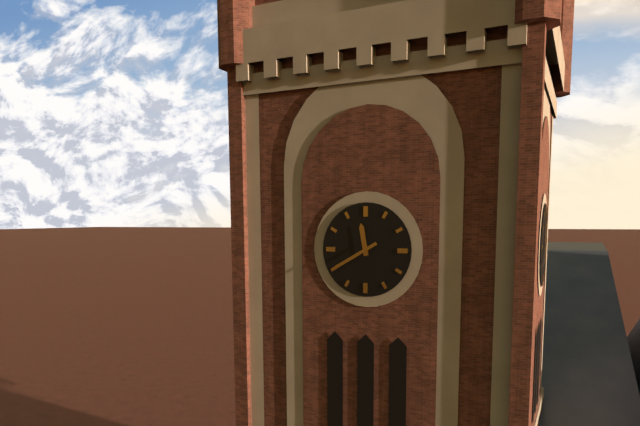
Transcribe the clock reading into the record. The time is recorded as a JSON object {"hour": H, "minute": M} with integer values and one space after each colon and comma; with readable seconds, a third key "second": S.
{"hour": 11, "minute": 40}
